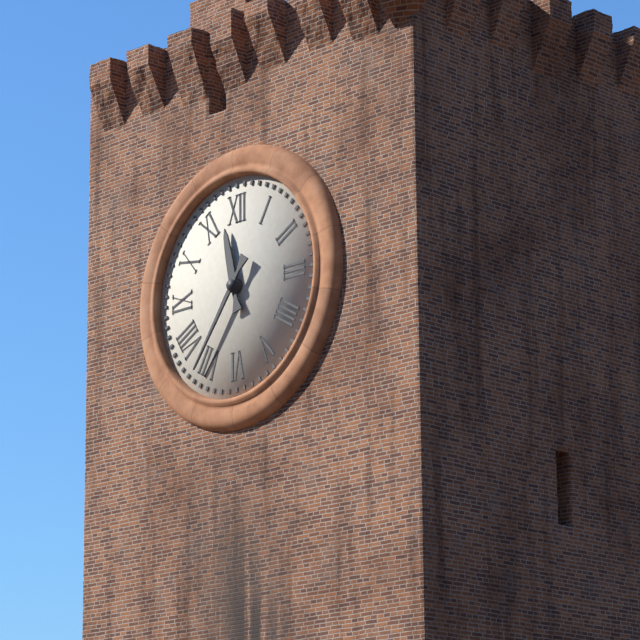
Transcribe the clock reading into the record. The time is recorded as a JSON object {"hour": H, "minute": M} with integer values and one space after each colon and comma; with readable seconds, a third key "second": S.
{"hour": 11, "minute": 36}
